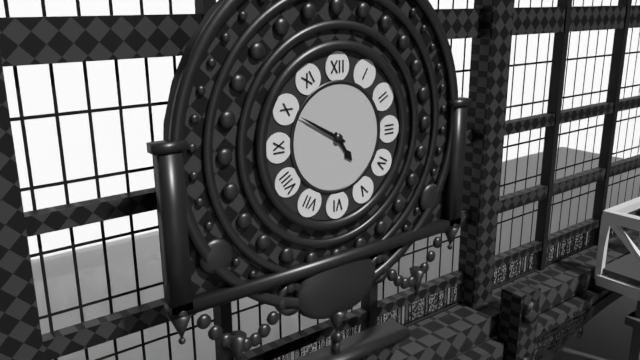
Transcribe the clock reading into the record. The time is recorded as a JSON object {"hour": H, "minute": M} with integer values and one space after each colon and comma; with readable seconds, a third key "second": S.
{"hour": 4, "minute": 50}
